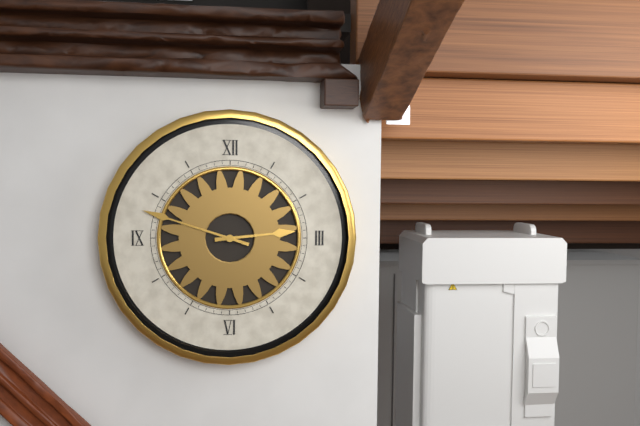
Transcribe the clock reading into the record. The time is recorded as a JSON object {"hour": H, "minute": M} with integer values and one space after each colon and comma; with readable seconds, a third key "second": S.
{"hour": 2, "minute": 48}
